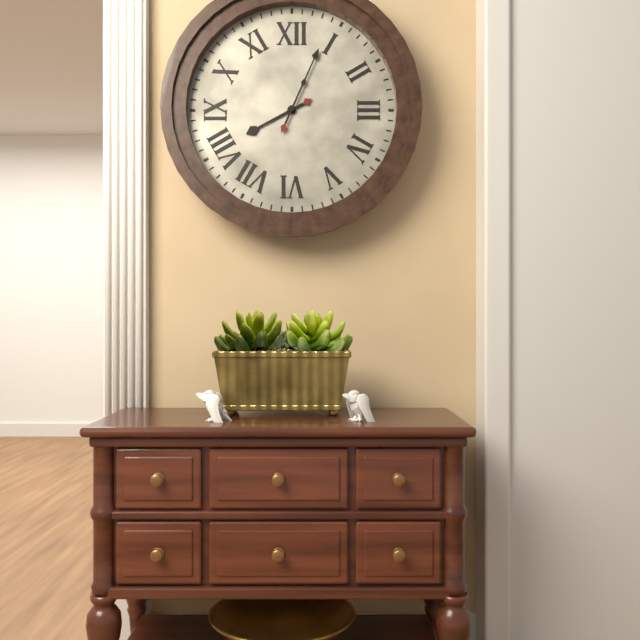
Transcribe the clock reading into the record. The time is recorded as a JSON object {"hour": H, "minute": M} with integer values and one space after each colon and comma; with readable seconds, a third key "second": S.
{"hour": 8, "minute": 4}
